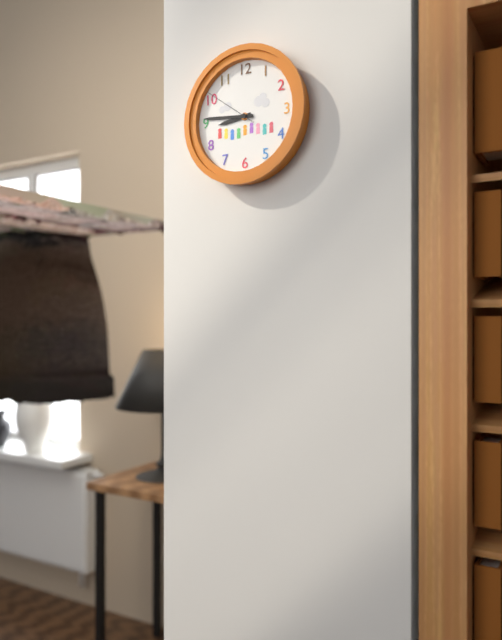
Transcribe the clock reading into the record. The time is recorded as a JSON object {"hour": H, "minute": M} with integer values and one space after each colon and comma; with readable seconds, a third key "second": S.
{"hour": 8, "minute": 46, "second": 51}
